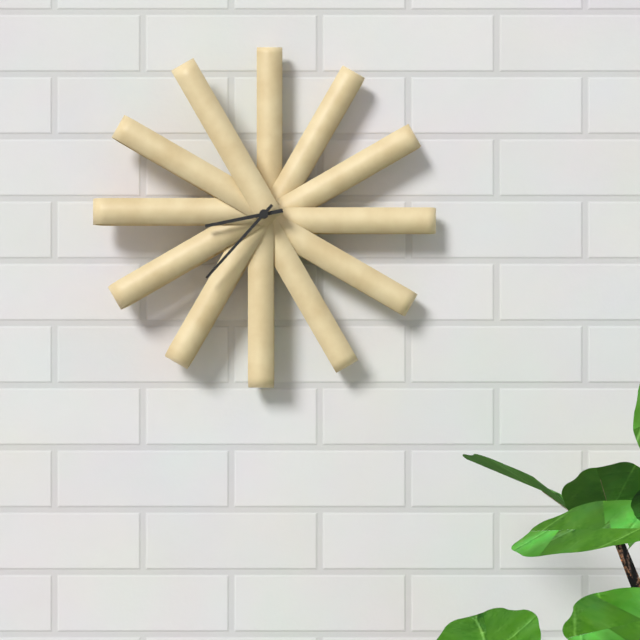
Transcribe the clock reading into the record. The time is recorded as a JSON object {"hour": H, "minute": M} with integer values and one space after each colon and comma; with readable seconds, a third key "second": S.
{"hour": 8, "minute": 37}
